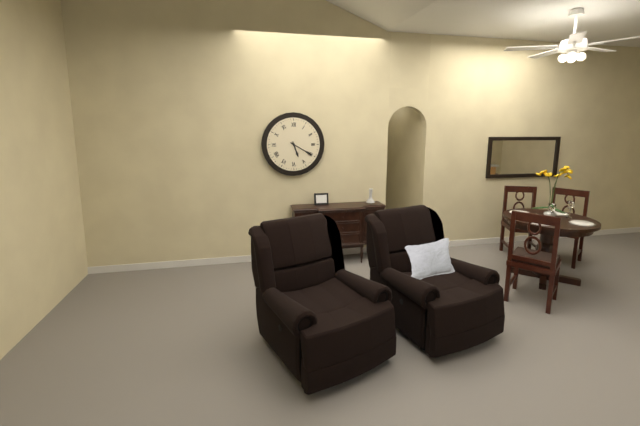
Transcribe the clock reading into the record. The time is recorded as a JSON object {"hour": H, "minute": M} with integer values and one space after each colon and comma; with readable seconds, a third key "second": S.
{"hour": 5, "minute": 20}
